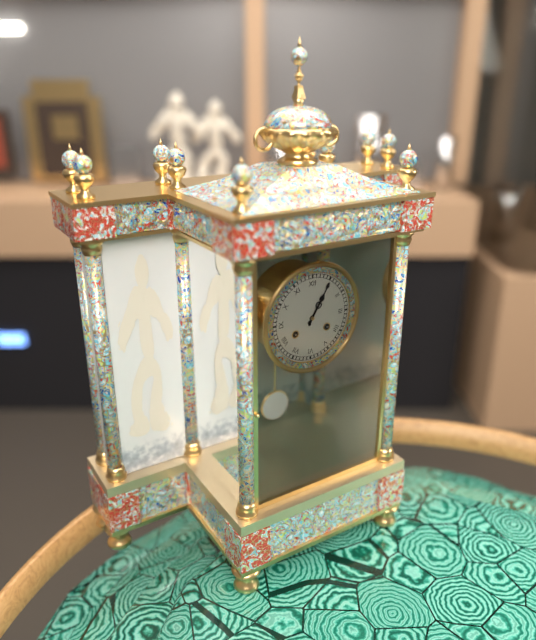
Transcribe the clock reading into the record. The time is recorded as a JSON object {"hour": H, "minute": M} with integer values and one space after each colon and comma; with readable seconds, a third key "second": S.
{"hour": 1, "minute": 5}
